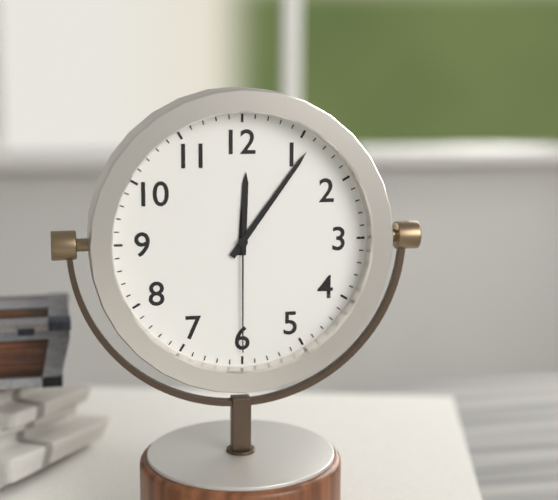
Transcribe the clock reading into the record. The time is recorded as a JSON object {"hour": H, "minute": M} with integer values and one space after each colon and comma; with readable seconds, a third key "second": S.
{"hour": 12, "minute": 6, "second": 30}
